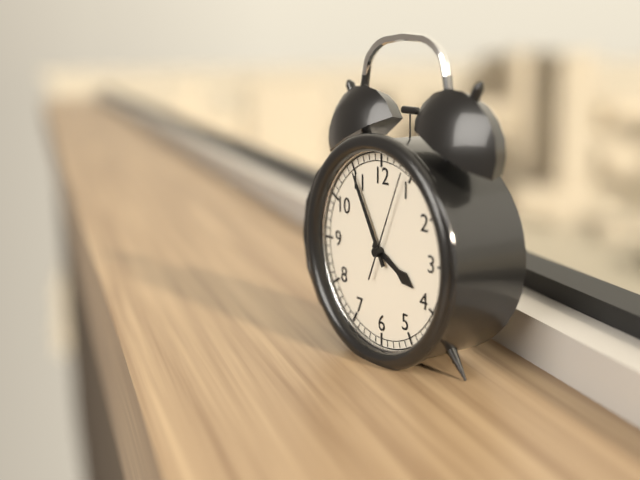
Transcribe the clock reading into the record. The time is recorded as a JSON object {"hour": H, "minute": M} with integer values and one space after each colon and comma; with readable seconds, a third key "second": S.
{"hour": 3, "minute": 55, "second": 4}
